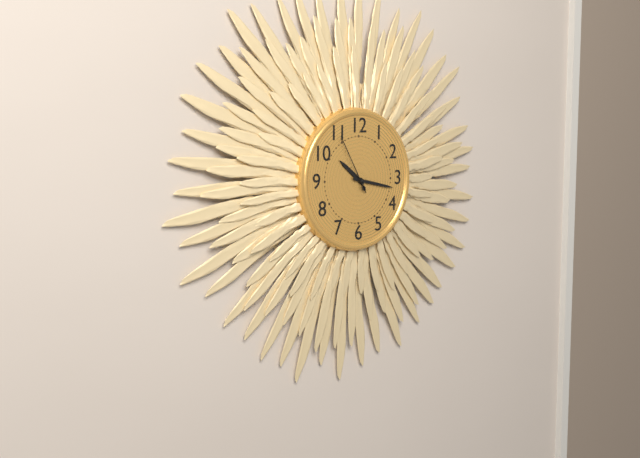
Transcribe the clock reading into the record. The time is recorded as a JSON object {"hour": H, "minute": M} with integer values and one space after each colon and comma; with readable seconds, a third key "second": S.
{"hour": 10, "minute": 17, "second": 55}
